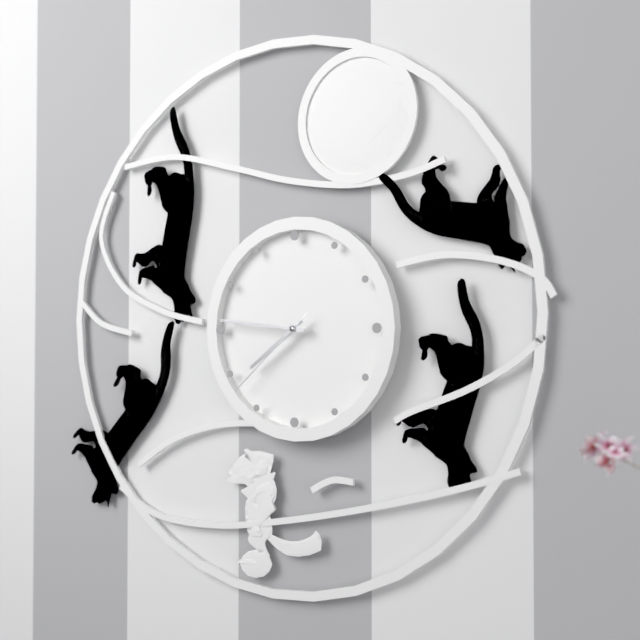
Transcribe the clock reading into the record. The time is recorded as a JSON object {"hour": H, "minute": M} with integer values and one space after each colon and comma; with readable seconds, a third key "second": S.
{"hour": 7, "minute": 46, "second": 38}
